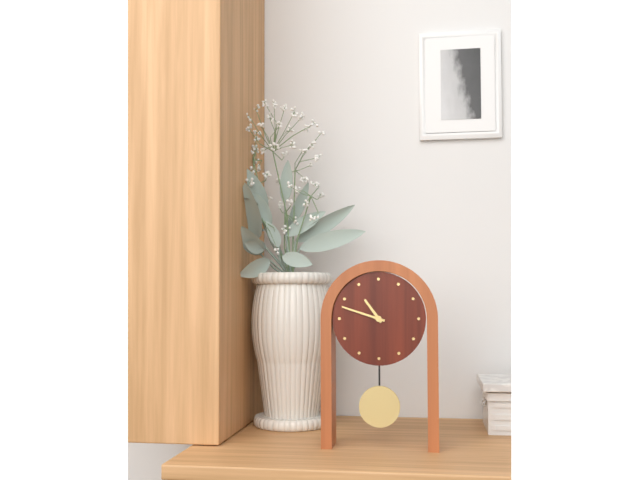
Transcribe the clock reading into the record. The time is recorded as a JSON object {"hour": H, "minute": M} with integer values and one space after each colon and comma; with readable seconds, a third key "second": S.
{"hour": 10, "minute": 48}
